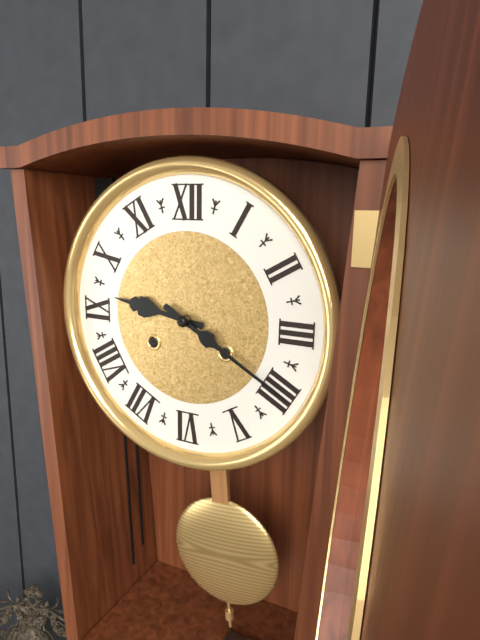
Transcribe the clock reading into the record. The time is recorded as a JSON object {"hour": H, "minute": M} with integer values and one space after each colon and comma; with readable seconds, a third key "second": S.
{"hour": 9, "minute": 20}
